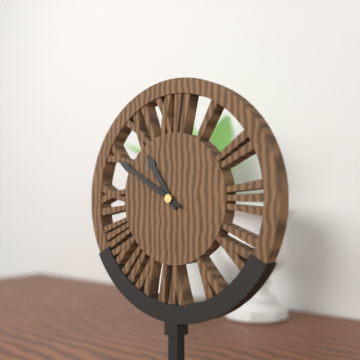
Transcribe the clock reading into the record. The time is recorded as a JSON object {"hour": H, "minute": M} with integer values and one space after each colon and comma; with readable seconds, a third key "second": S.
{"hour": 10, "minute": 50}
